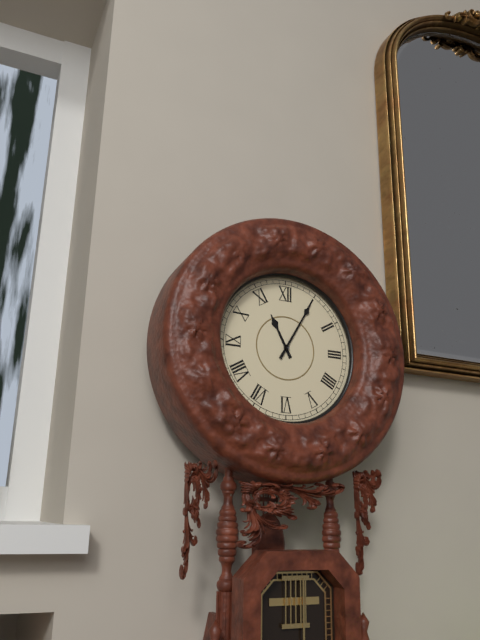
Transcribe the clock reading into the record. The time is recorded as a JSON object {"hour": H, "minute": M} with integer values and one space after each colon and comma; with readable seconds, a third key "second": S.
{"hour": 11, "minute": 5}
